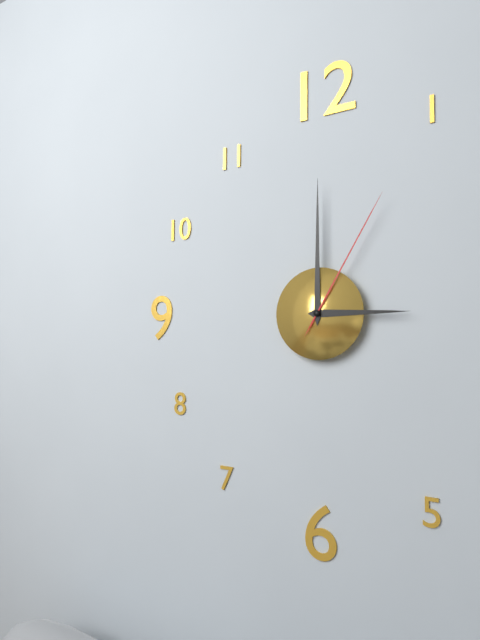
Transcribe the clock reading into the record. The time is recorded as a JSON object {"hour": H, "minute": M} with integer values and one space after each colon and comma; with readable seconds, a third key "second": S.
{"hour": 3, "minute": 0, "second": 5}
